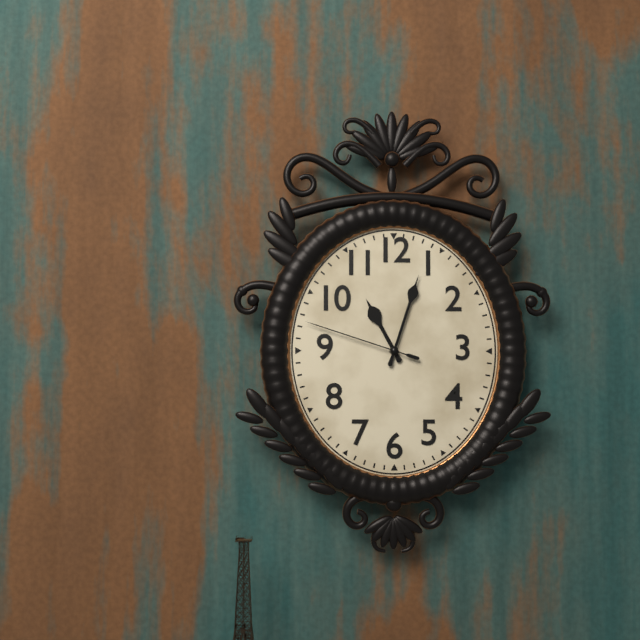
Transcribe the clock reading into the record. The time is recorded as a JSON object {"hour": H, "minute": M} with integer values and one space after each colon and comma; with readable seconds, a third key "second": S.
{"hour": 11, "minute": 3, "second": 48}
